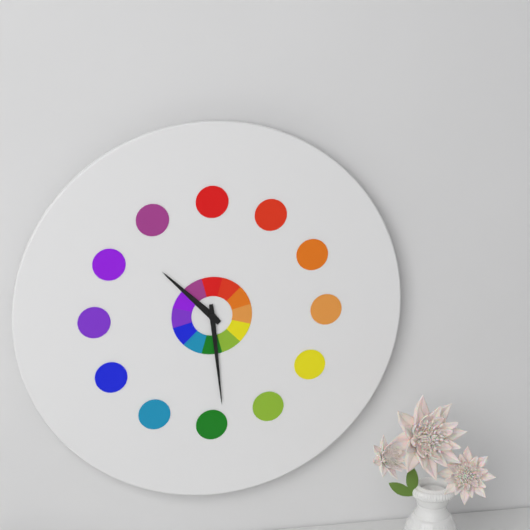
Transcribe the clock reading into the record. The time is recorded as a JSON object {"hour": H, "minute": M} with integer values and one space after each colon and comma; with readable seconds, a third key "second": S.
{"hour": 10, "minute": 29}
